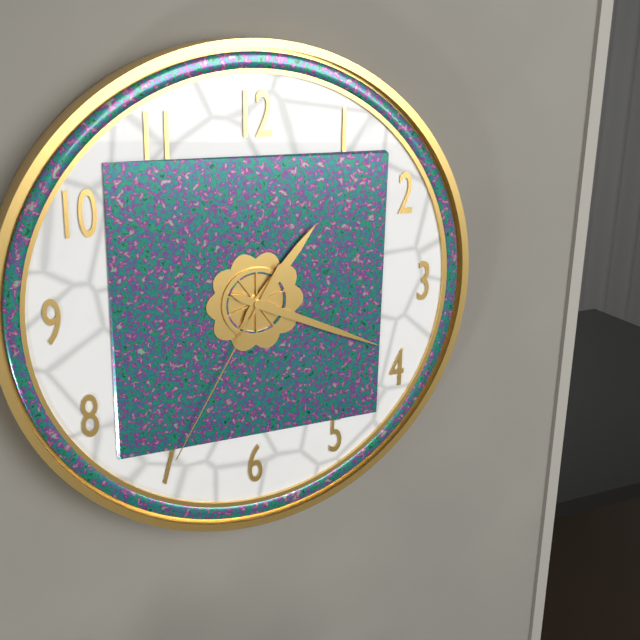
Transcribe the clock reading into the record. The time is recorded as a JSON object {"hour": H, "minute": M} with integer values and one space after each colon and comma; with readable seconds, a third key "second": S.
{"hour": 1, "minute": 19, "second": 35}
